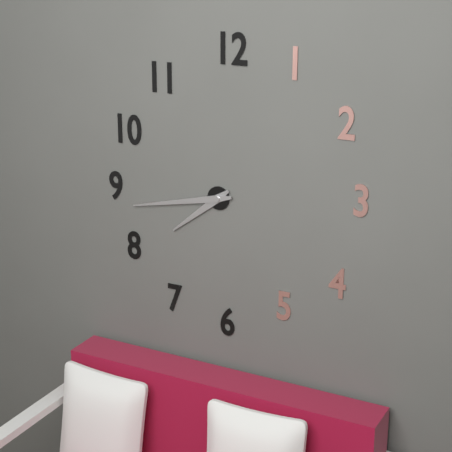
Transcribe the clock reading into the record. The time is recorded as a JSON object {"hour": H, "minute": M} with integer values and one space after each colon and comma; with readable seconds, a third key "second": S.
{"hour": 7, "minute": 43}
